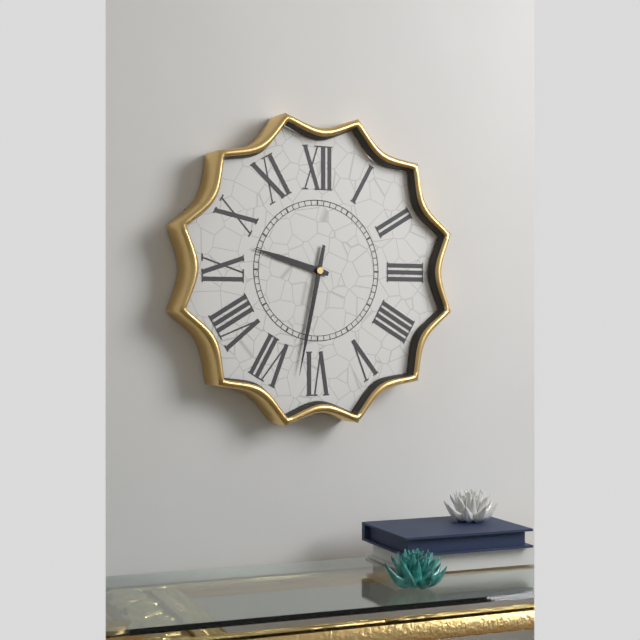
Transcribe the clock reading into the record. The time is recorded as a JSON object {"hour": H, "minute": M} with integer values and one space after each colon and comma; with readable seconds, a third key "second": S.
{"hour": 9, "minute": 32}
